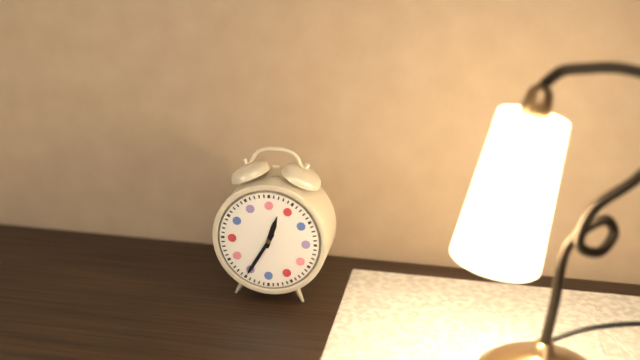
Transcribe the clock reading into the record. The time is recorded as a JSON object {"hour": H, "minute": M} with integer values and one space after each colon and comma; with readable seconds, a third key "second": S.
{"hour": 12, "minute": 35}
